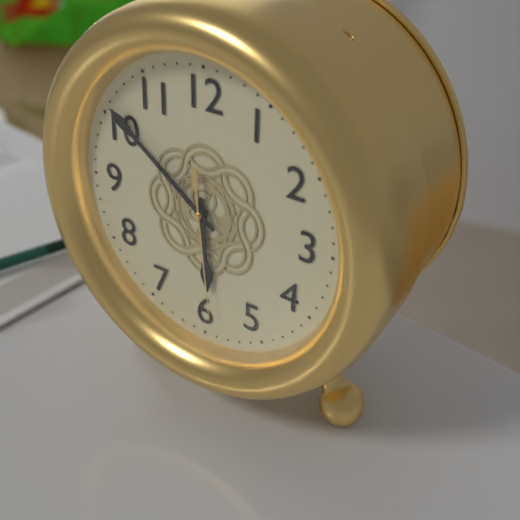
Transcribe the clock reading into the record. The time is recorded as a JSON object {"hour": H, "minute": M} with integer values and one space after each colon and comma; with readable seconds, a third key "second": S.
{"hour": 5, "minute": 51, "second": 29}
